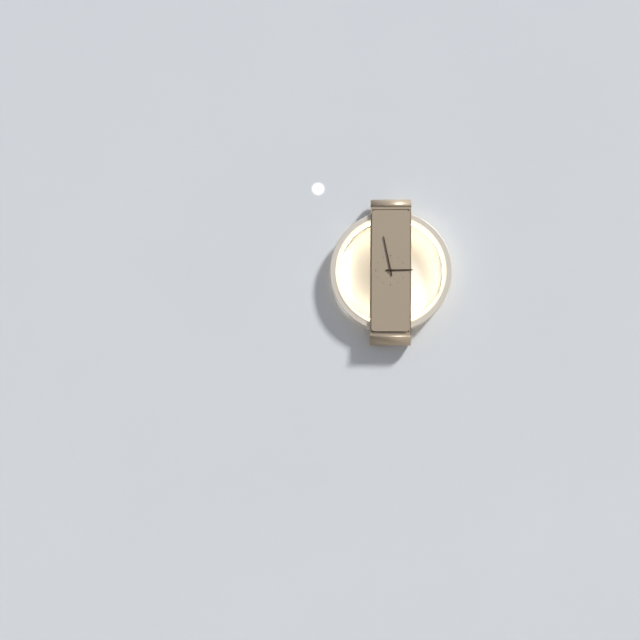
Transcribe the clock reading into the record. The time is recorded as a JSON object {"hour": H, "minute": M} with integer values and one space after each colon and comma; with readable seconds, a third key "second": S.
{"hour": 2, "minute": 58}
